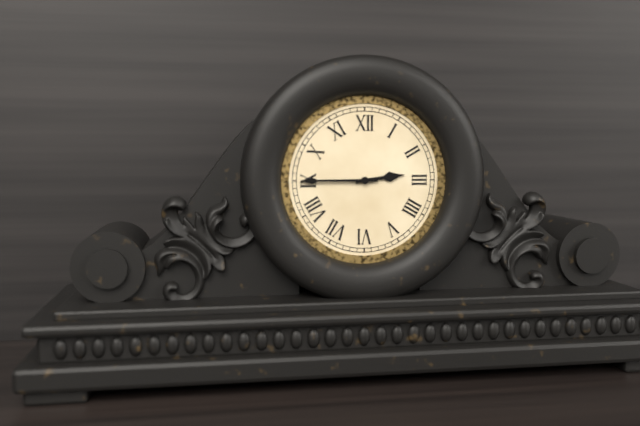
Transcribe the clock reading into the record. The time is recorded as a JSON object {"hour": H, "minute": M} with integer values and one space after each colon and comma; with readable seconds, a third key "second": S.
{"hour": 2, "minute": 45}
